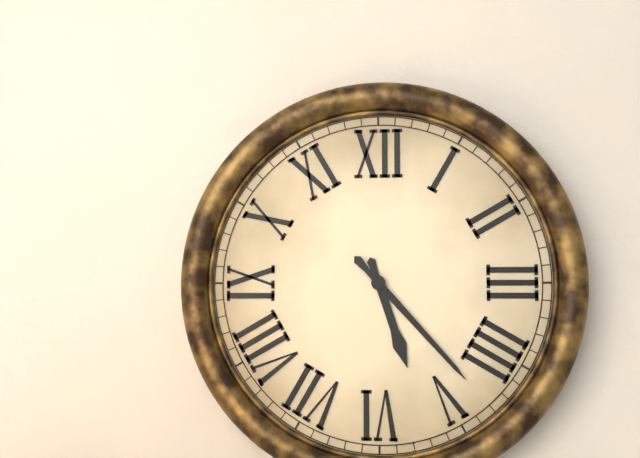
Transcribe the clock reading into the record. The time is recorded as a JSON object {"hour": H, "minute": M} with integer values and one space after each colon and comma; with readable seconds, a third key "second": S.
{"hour": 5, "minute": 23}
